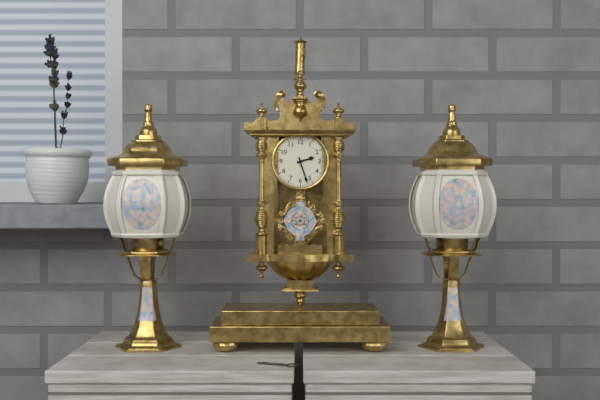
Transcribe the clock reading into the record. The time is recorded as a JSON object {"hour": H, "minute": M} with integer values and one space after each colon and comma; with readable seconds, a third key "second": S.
{"hour": 2, "minute": 27}
